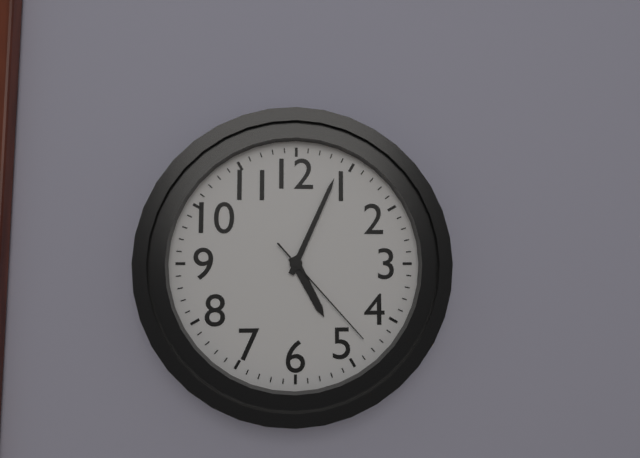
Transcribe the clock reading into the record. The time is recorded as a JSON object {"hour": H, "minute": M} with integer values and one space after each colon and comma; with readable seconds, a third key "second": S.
{"hour": 5, "minute": 4, "second": 23}
